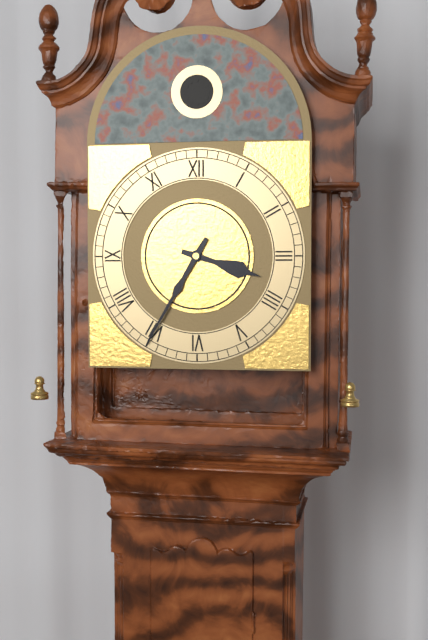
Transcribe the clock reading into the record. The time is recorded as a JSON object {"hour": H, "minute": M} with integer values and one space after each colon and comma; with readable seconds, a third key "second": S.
{"hour": 3, "minute": 35}
